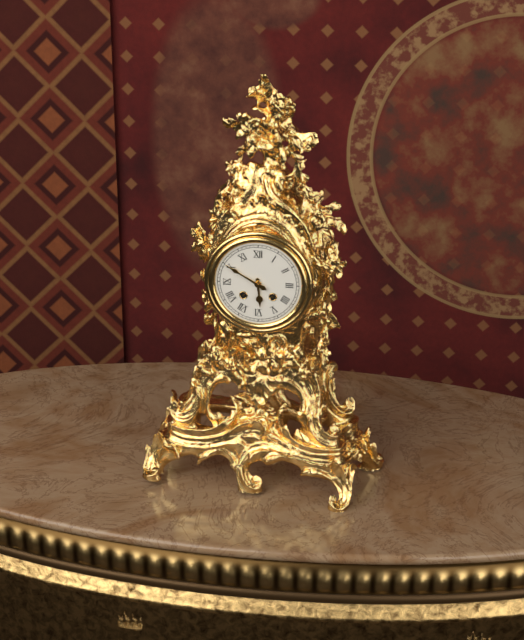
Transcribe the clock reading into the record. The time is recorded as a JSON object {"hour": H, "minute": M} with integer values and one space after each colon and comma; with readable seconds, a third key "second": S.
{"hour": 5, "minute": 50}
